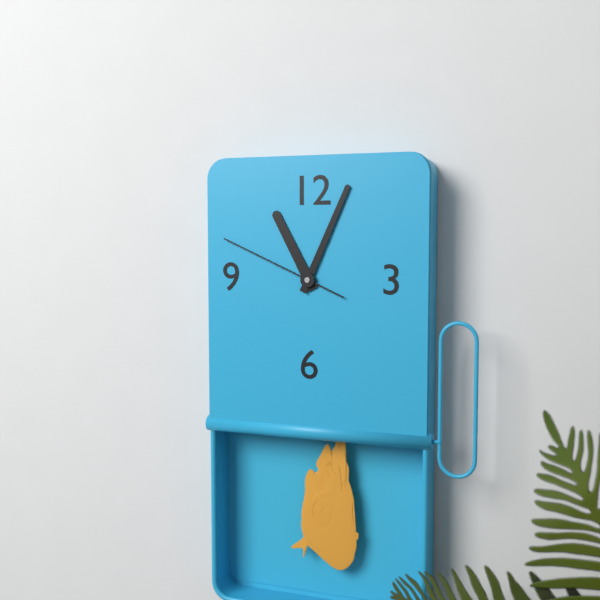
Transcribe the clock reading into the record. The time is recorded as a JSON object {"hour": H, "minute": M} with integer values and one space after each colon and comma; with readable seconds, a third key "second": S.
{"hour": 11, "minute": 4, "second": 49}
